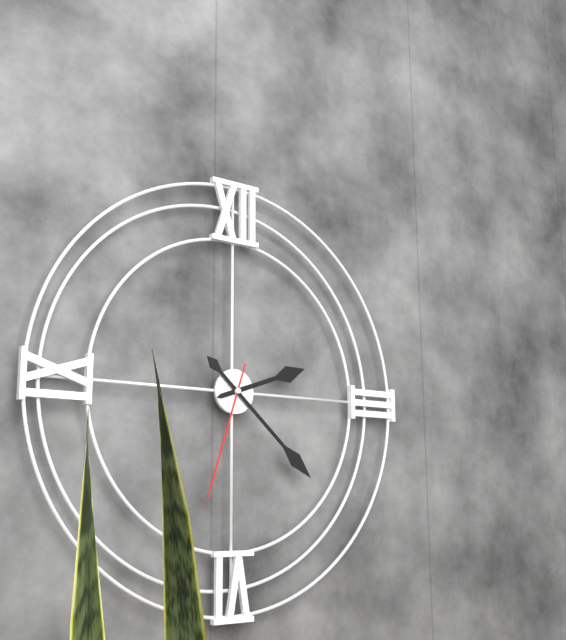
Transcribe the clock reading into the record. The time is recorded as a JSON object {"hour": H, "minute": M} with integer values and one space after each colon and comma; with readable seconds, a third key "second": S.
{"hour": 2, "minute": 22, "second": 33}
